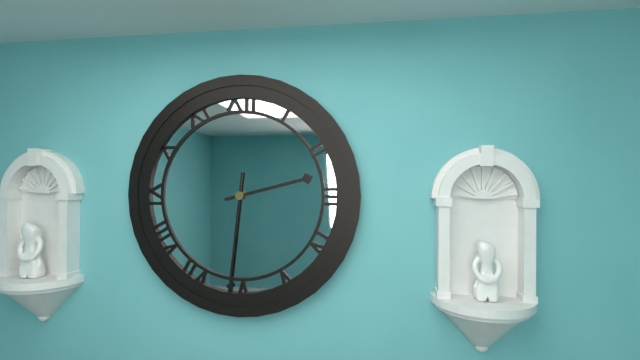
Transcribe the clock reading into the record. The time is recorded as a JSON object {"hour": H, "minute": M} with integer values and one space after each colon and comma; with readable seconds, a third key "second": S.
{"hour": 2, "minute": 31}
